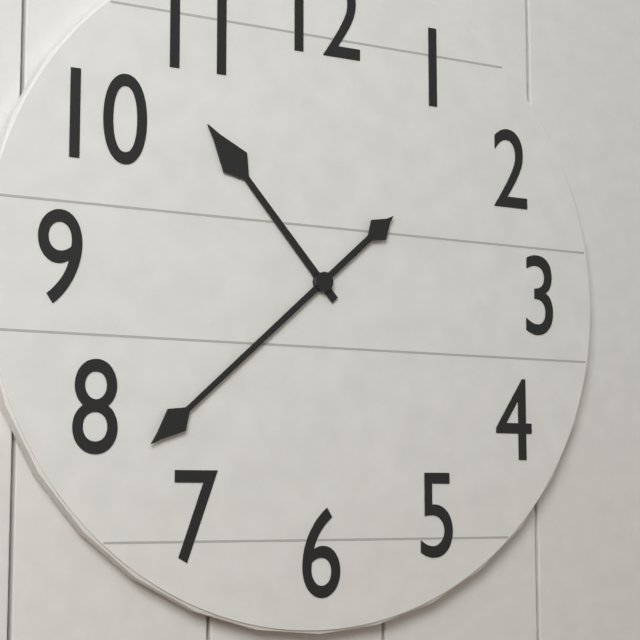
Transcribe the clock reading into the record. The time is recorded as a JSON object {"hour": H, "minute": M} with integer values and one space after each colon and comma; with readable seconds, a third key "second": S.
{"hour": 10, "minute": 38}
